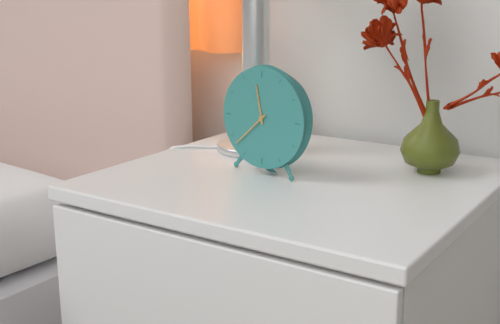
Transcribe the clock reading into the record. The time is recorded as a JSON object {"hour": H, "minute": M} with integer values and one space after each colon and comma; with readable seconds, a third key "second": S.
{"hour": 11, "minute": 38}
